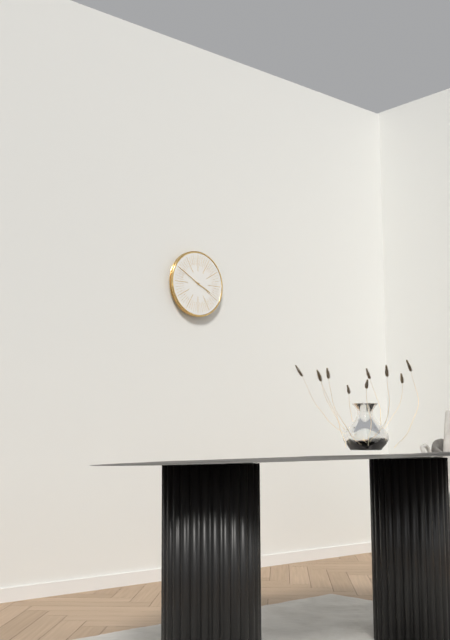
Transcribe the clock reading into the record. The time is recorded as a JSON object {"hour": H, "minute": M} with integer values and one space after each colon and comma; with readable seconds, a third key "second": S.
{"hour": 3, "minute": 50}
